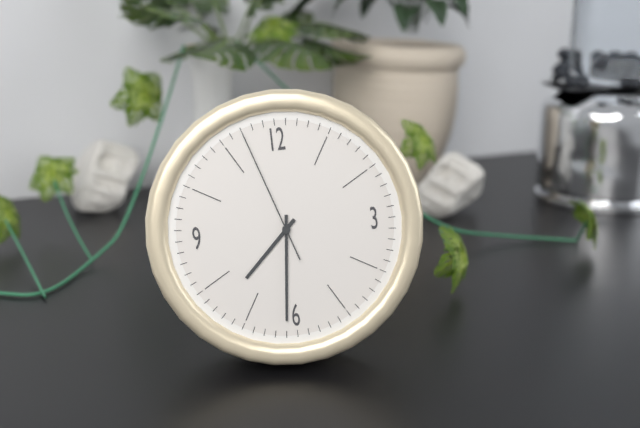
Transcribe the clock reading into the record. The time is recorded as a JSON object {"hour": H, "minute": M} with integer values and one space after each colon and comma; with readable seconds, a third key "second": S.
{"hour": 7, "minute": 31, "second": 57}
